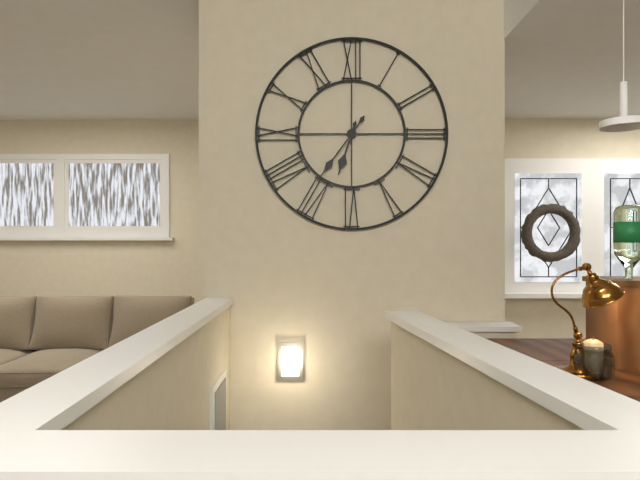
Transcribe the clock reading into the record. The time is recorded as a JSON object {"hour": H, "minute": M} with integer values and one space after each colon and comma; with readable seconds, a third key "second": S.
{"hour": 6, "minute": 36}
